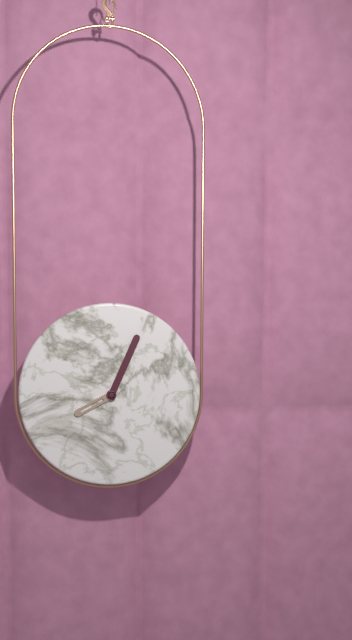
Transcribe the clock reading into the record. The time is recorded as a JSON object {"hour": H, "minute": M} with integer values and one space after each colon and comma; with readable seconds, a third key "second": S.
{"hour": 8, "minute": 4}
